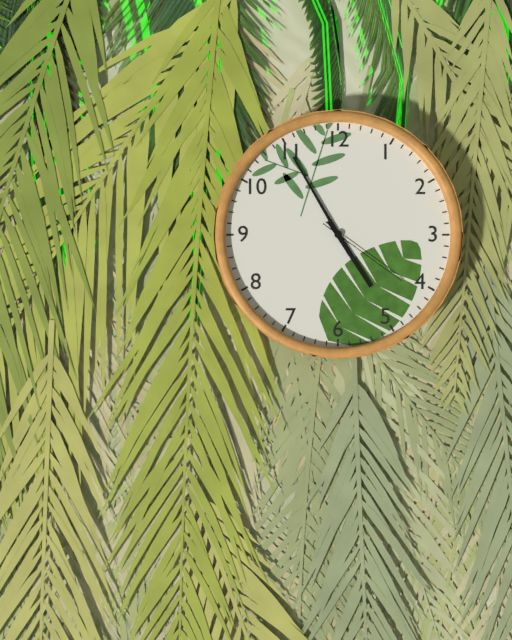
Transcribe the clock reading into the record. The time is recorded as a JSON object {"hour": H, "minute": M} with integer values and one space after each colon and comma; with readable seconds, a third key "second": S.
{"hour": 4, "minute": 55, "second": 21}
